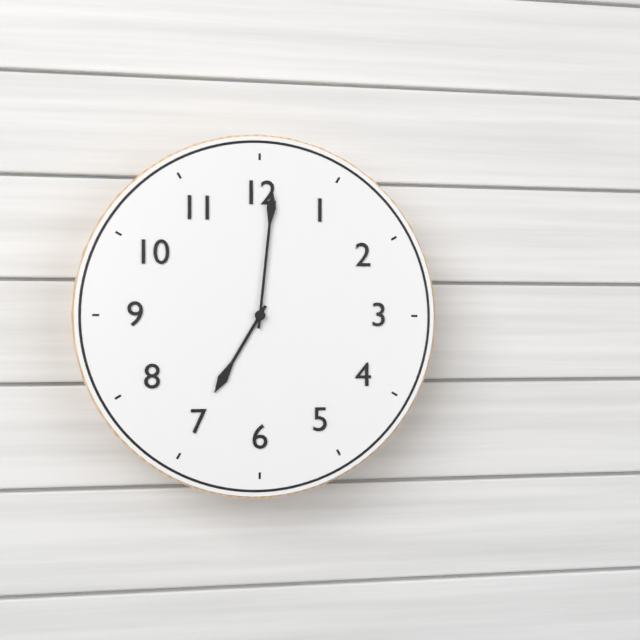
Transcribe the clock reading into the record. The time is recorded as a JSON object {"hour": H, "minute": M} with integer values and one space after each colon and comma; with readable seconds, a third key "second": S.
{"hour": 7, "minute": 1}
